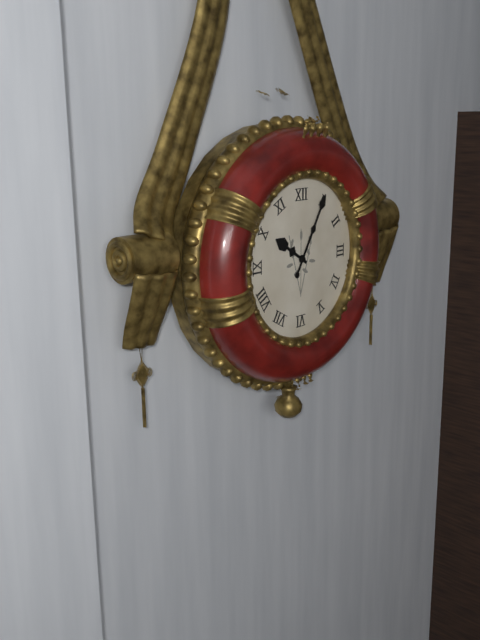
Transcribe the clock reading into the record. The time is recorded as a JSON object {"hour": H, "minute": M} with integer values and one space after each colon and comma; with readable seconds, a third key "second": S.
{"hour": 10, "minute": 5}
